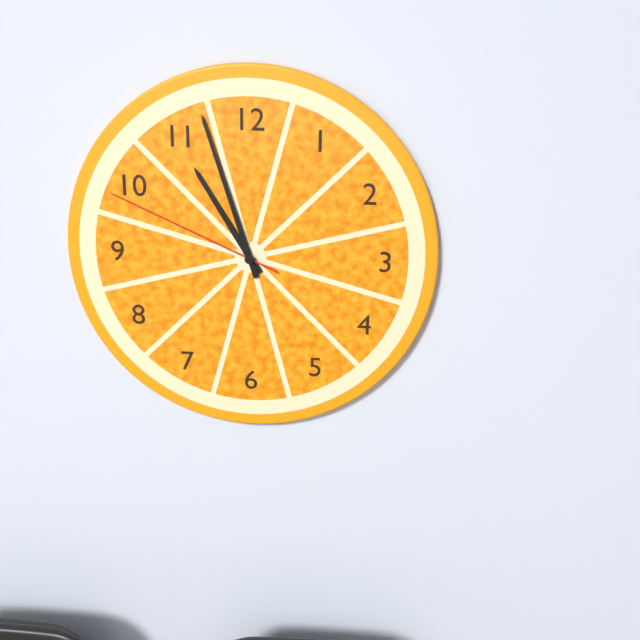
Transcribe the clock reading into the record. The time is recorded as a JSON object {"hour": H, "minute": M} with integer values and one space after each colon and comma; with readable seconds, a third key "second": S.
{"hour": 10, "minute": 57, "second": 49}
